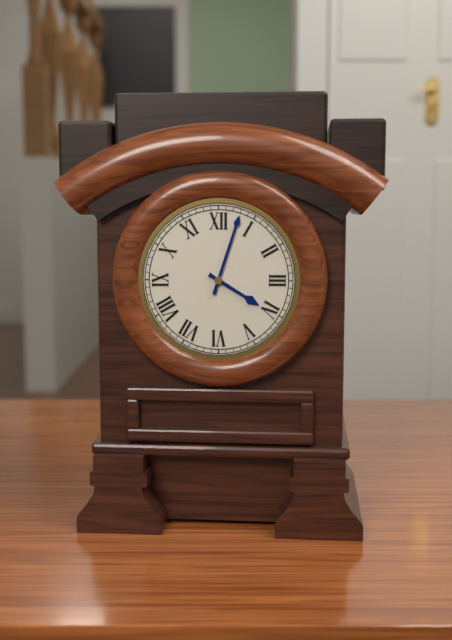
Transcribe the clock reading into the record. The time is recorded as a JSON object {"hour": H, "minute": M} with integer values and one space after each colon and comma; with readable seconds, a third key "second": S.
{"hour": 4, "minute": 3}
